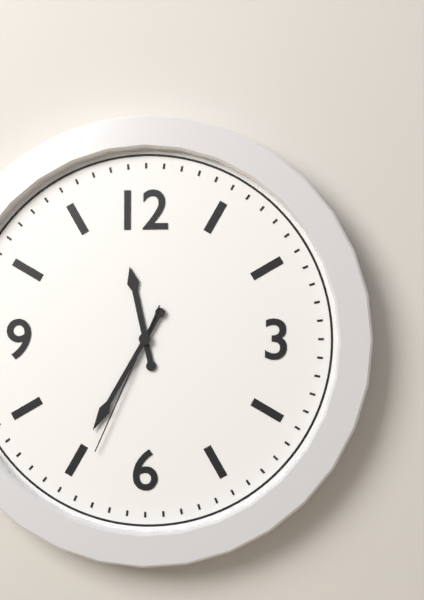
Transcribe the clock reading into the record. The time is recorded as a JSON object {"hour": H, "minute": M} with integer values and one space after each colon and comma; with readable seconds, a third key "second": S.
{"hour": 11, "minute": 35, "second": 34}
